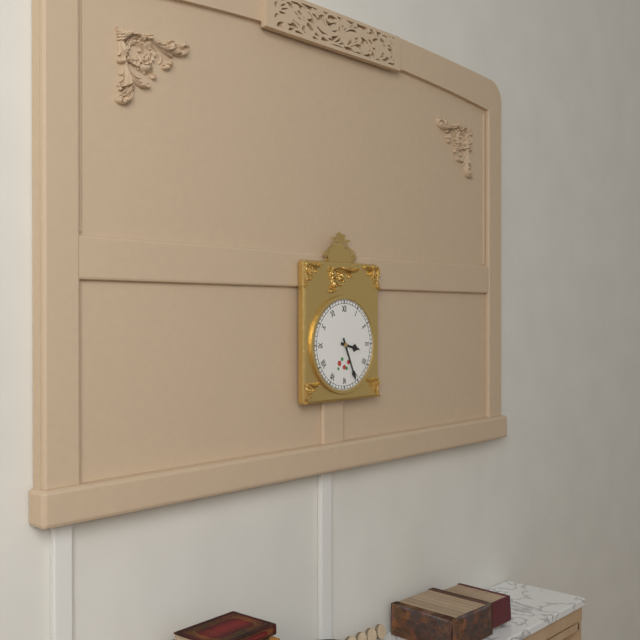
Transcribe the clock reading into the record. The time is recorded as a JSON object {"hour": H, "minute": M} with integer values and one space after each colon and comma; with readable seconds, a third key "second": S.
{"hour": 3, "minute": 26}
